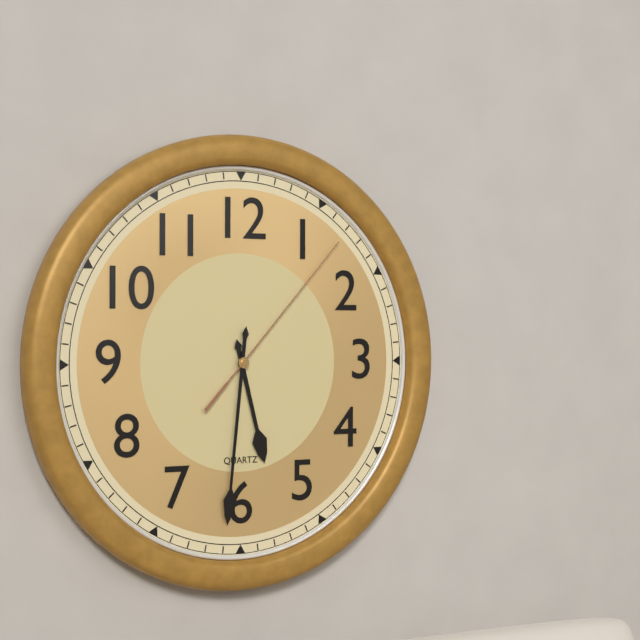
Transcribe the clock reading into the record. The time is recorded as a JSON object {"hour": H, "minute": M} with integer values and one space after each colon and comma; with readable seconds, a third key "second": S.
{"hour": 5, "minute": 31, "second": 7}
